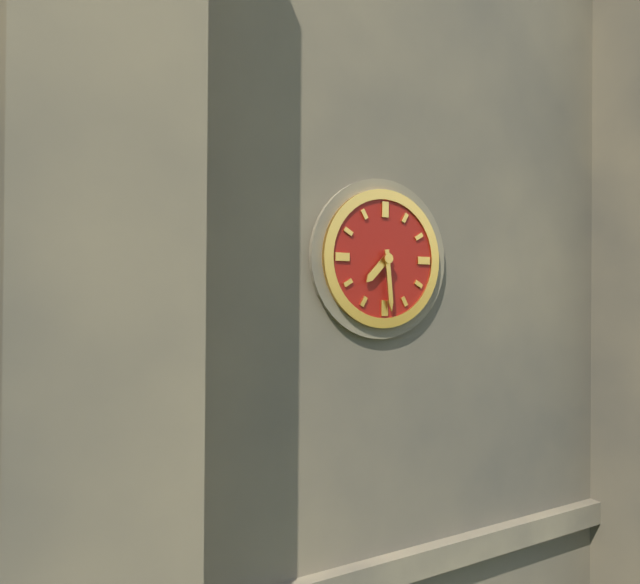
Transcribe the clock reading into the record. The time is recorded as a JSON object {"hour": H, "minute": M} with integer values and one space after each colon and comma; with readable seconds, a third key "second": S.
{"hour": 7, "minute": 29}
